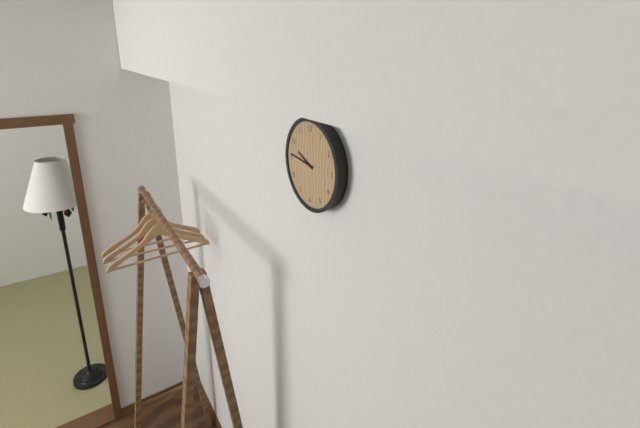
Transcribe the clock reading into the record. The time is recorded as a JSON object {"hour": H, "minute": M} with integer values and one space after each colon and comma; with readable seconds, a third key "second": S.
{"hour": 9, "minute": 46}
